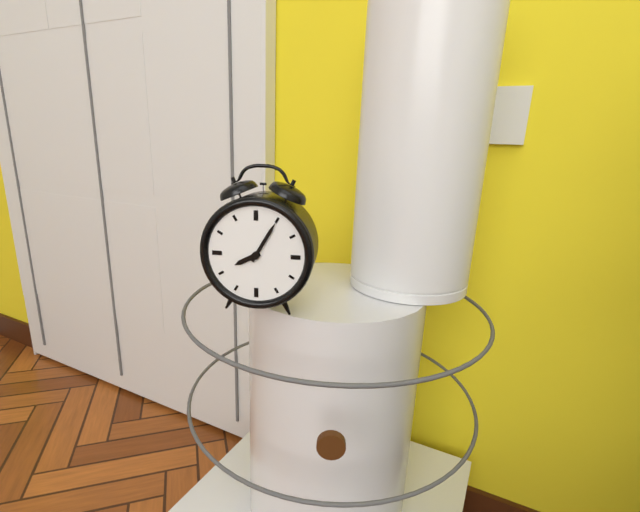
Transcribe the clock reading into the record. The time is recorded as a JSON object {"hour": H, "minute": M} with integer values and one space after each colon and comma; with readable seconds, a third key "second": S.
{"hour": 8, "minute": 5}
